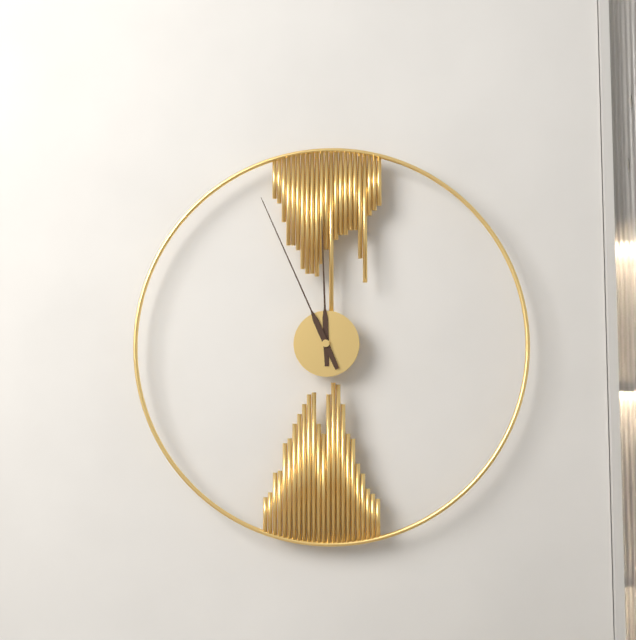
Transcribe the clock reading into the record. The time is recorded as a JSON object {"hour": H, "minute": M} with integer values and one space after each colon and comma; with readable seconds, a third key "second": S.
{"hour": 11, "minute": 56}
